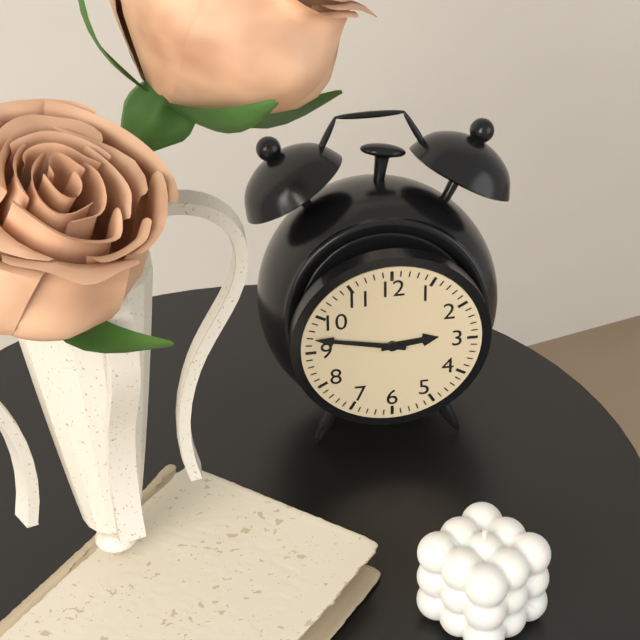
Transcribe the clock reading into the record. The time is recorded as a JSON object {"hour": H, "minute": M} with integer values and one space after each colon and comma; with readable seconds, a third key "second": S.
{"hour": 2, "minute": 47}
